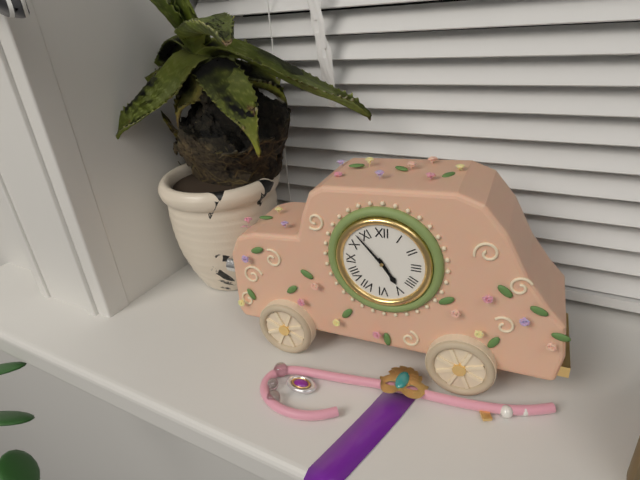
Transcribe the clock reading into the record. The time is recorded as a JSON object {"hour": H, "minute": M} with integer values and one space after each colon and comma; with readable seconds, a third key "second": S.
{"hour": 4, "minute": 53}
